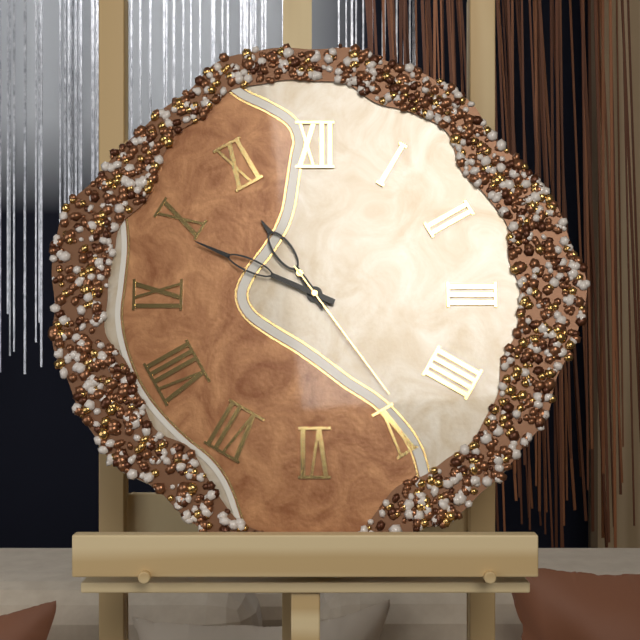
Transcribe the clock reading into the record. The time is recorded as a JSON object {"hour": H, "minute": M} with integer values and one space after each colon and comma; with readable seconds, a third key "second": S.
{"hour": 10, "minute": 49, "second": 24}
